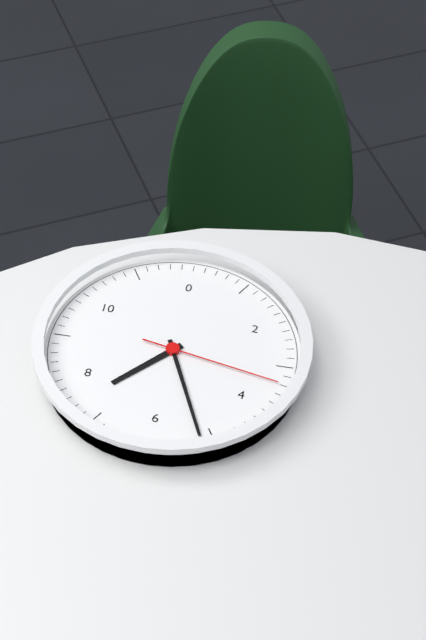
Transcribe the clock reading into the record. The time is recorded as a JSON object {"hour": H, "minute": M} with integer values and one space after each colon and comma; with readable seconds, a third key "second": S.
{"hour": 7, "minute": 26, "second": 17}
